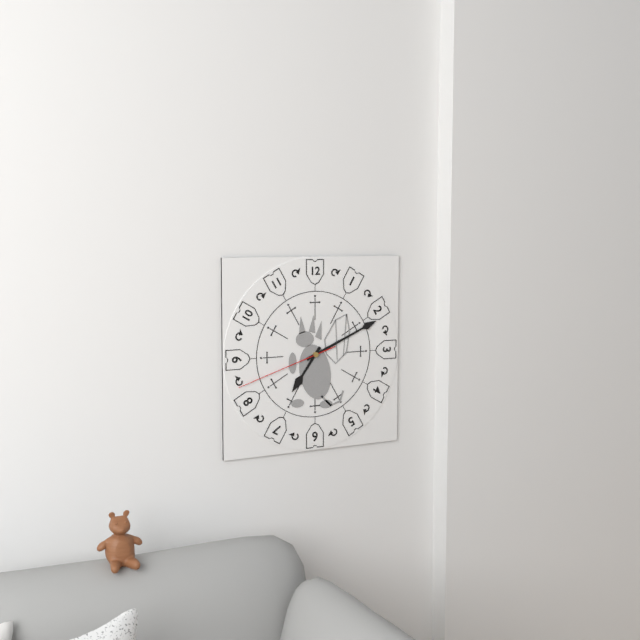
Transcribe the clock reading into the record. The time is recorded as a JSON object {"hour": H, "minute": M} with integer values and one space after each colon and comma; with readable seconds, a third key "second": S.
{"hour": 7, "minute": 11, "second": 42}
